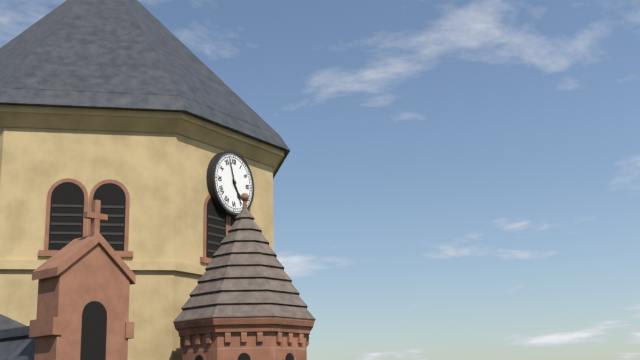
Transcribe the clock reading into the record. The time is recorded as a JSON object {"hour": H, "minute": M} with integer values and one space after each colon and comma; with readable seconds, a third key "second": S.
{"hour": 4, "minute": 57}
